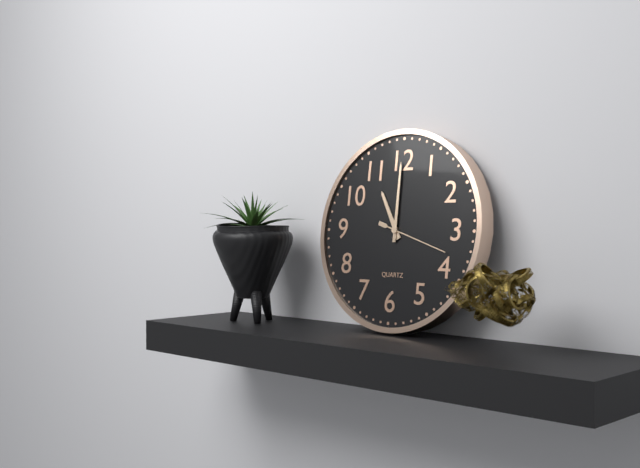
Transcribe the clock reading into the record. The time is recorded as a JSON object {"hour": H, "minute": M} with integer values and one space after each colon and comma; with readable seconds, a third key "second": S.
{"hour": 11, "minute": 0, "second": 18}
